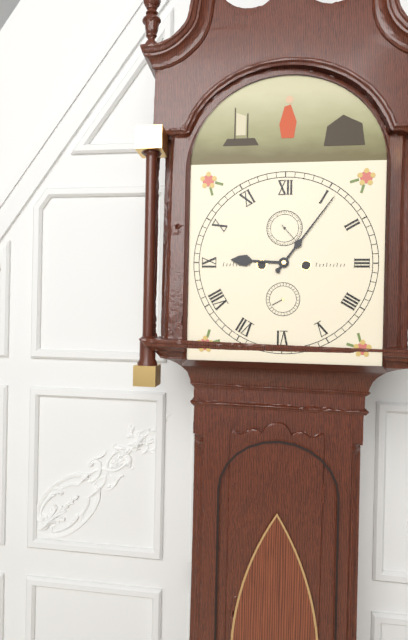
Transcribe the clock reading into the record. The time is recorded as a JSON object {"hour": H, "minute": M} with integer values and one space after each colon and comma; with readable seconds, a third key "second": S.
{"hour": 9, "minute": 6}
